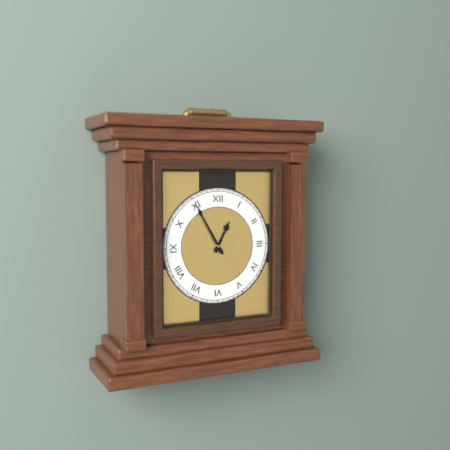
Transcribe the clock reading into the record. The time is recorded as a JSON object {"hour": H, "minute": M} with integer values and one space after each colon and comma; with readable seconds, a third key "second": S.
{"hour": 12, "minute": 55}
